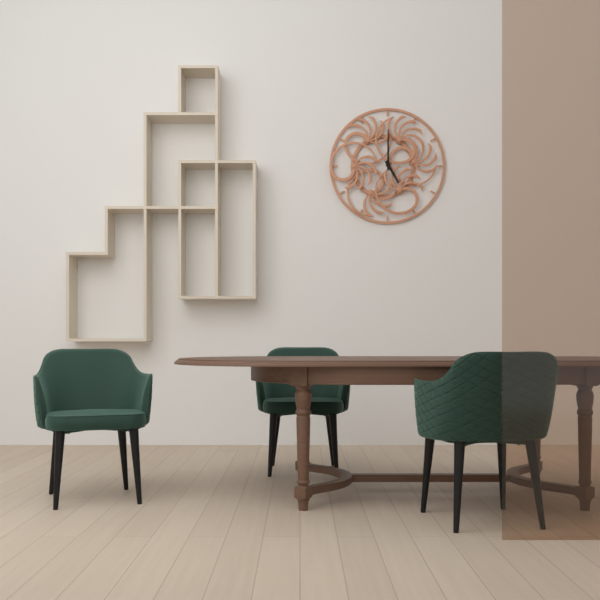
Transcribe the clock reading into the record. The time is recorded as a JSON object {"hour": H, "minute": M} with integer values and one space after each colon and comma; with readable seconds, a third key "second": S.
{"hour": 5, "minute": 0}
